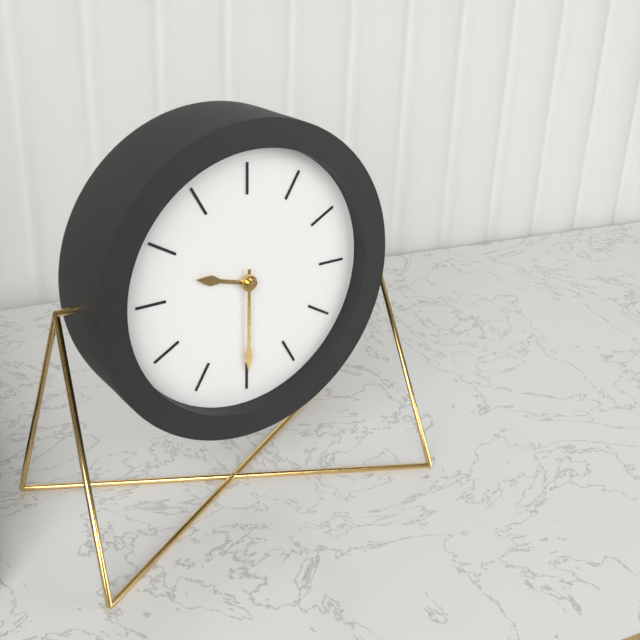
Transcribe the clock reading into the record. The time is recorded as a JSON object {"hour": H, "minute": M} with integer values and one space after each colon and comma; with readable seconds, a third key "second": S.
{"hour": 9, "minute": 30}
